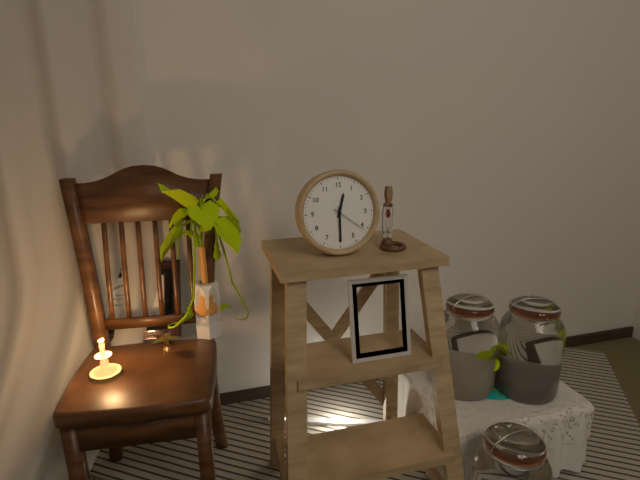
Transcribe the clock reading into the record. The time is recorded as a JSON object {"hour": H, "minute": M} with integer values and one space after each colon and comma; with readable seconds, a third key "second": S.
{"hour": 12, "minute": 30}
